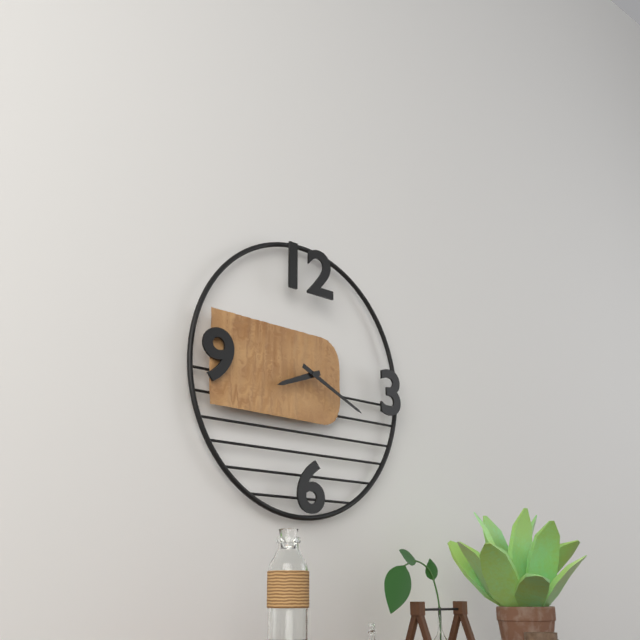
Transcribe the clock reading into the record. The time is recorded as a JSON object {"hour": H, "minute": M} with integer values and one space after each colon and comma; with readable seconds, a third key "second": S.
{"hour": 8, "minute": 19}
